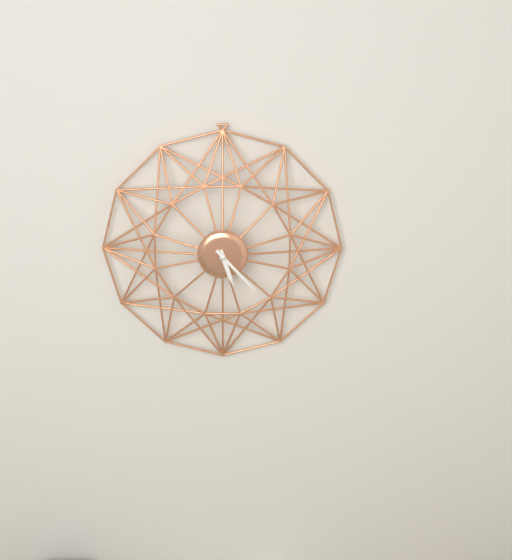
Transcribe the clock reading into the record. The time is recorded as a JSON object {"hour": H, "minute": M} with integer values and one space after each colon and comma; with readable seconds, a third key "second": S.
{"hour": 5, "minute": 23}
